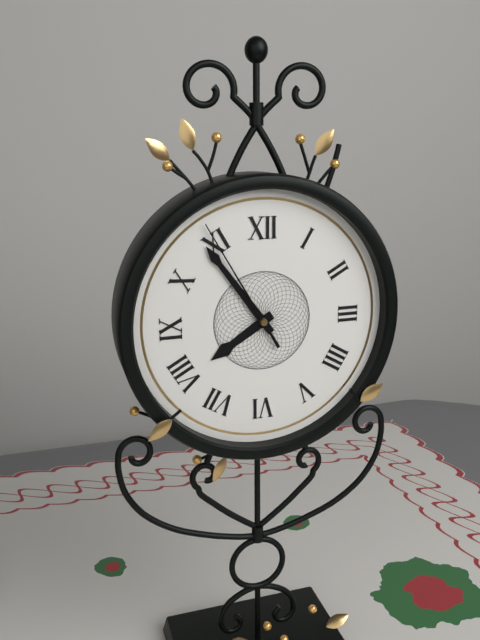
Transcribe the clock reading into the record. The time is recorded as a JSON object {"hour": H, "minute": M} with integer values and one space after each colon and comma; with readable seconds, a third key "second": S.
{"hour": 7, "minute": 54, "second": 55}
